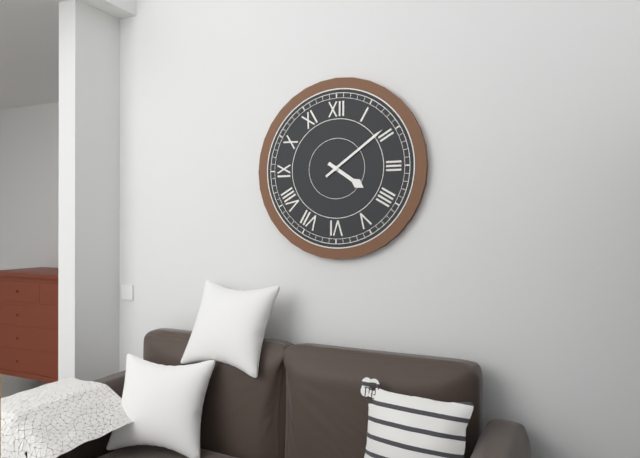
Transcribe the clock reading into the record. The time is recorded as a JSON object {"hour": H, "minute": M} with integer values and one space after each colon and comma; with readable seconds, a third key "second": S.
{"hour": 4, "minute": 9}
